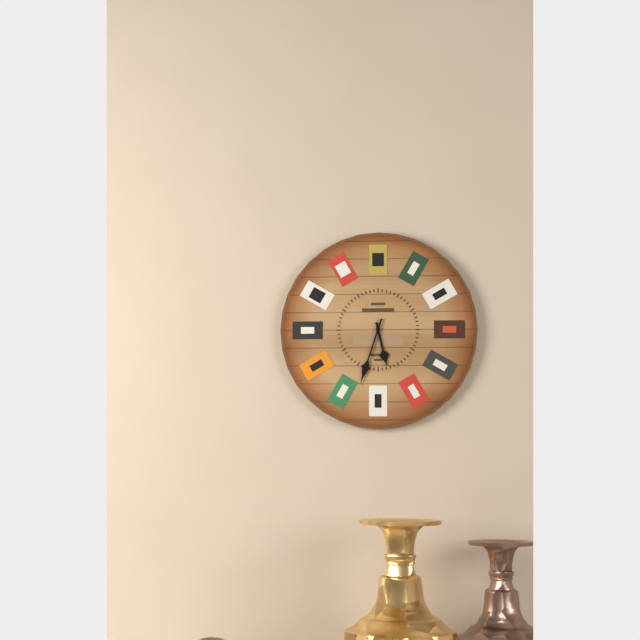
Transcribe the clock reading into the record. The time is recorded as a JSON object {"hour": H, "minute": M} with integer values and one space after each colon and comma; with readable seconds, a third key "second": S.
{"hour": 5, "minute": 33}
